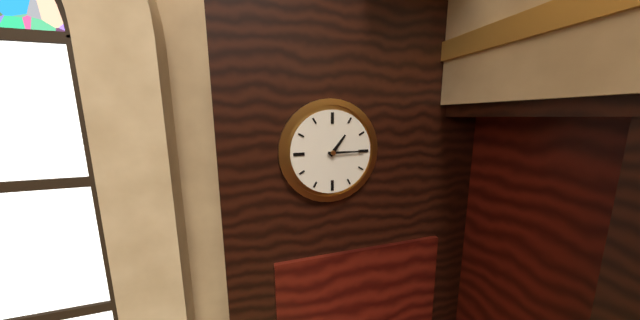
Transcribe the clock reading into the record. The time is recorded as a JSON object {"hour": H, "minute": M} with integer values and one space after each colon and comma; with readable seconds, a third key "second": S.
{"hour": 1, "minute": 15}
